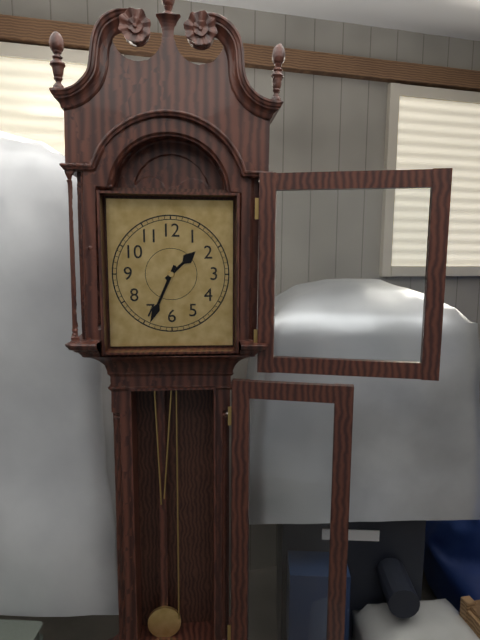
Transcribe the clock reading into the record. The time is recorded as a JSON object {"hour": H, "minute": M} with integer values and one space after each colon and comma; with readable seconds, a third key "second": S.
{"hour": 1, "minute": 34}
